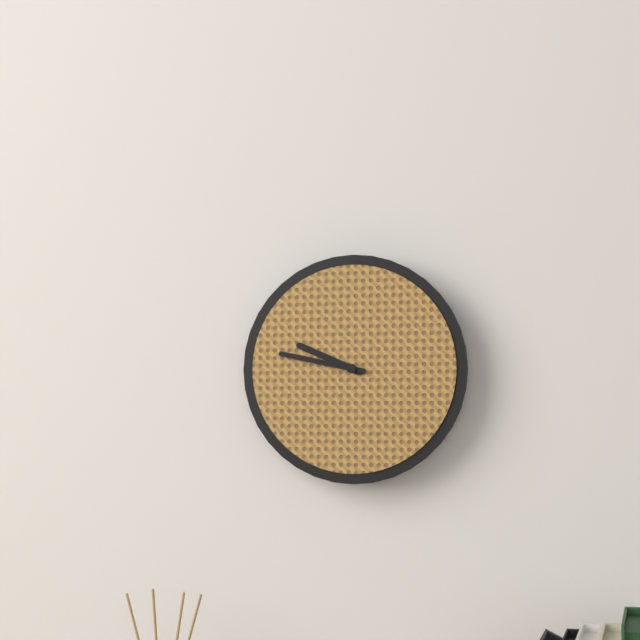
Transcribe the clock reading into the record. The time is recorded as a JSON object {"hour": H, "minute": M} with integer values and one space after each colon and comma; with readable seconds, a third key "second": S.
{"hour": 9, "minute": 47}
